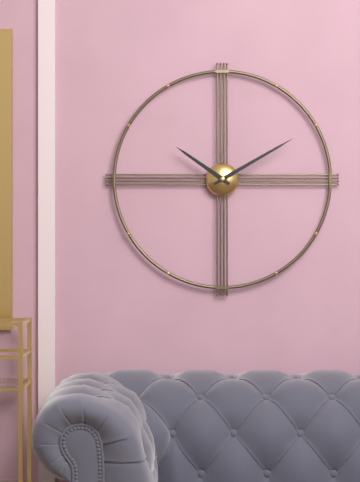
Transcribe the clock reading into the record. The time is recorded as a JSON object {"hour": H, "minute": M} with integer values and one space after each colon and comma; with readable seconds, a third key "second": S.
{"hour": 10, "minute": 10}
